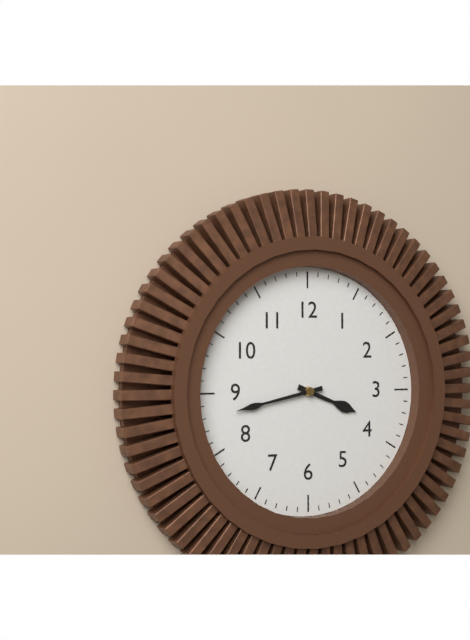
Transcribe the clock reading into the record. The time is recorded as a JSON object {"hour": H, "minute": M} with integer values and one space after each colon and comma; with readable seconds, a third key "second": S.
{"hour": 3, "minute": 43}
